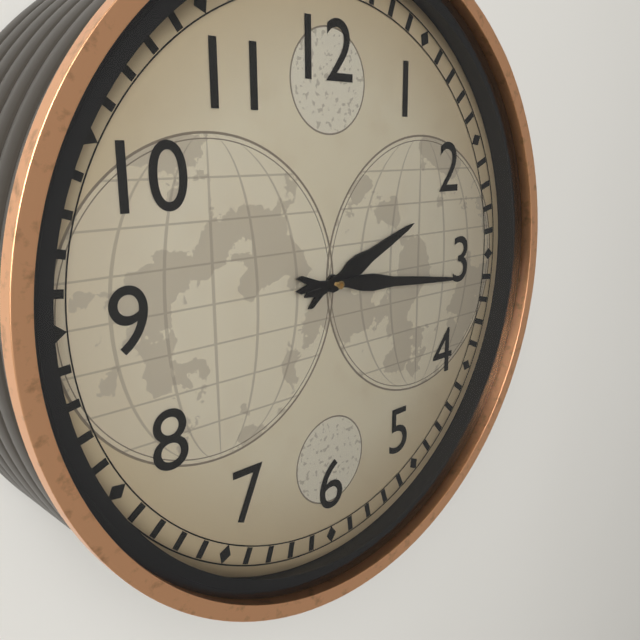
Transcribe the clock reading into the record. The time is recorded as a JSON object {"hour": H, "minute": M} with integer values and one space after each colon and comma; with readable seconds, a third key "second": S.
{"hour": 2, "minute": 16}
